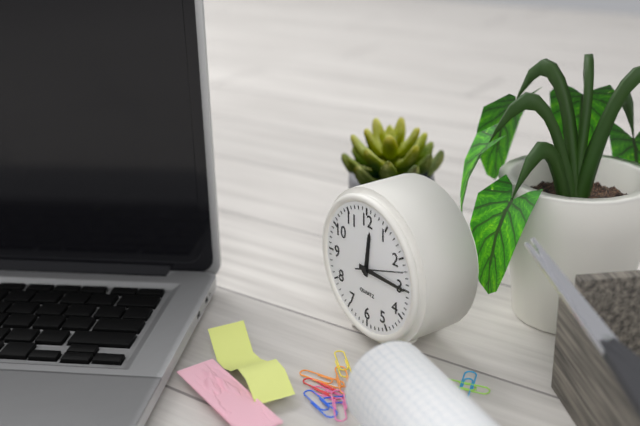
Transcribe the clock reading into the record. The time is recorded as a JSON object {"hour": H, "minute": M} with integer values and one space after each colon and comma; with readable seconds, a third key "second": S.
{"hour": 12, "minute": 15}
